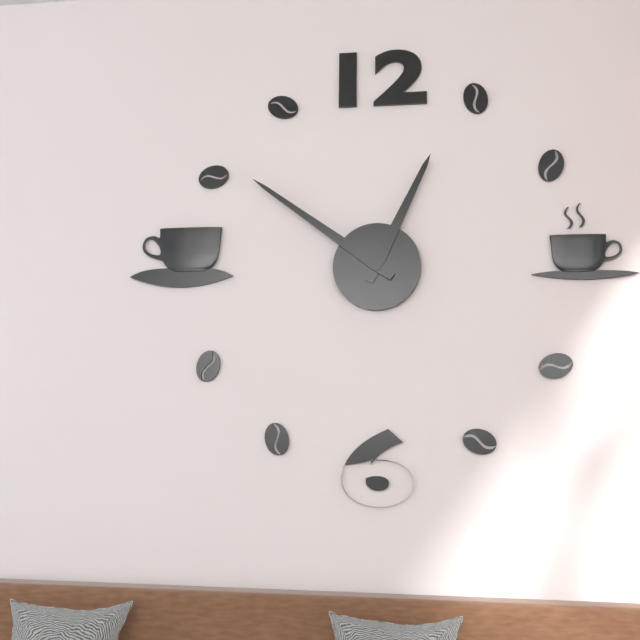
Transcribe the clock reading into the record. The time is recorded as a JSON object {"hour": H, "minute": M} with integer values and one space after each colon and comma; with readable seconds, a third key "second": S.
{"hour": 12, "minute": 51}
